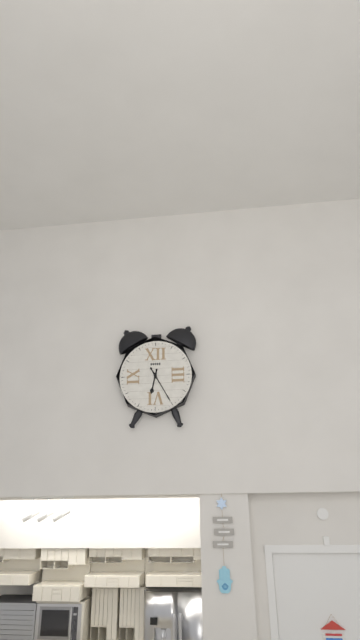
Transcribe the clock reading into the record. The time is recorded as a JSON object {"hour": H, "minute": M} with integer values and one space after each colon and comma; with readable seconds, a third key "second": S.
{"hour": 6, "minute": 25}
